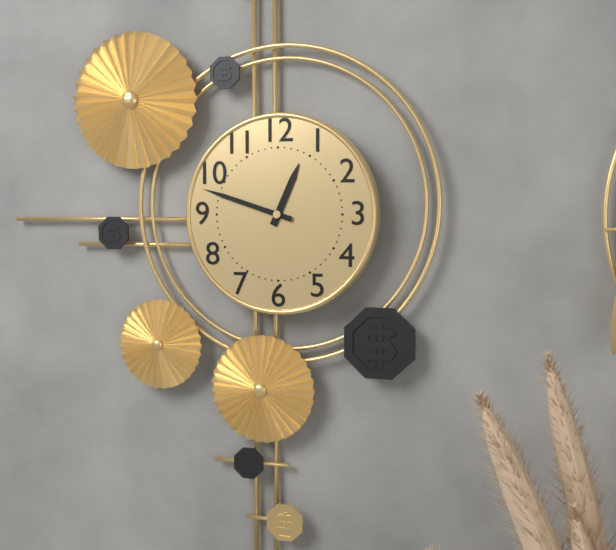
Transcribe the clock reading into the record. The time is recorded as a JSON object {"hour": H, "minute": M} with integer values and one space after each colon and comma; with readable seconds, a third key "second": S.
{"hour": 12, "minute": 48}
